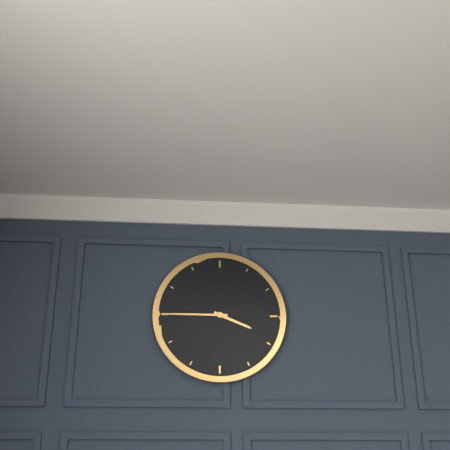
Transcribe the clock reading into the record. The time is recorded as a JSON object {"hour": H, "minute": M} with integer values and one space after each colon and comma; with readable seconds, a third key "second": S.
{"hour": 3, "minute": 45}
